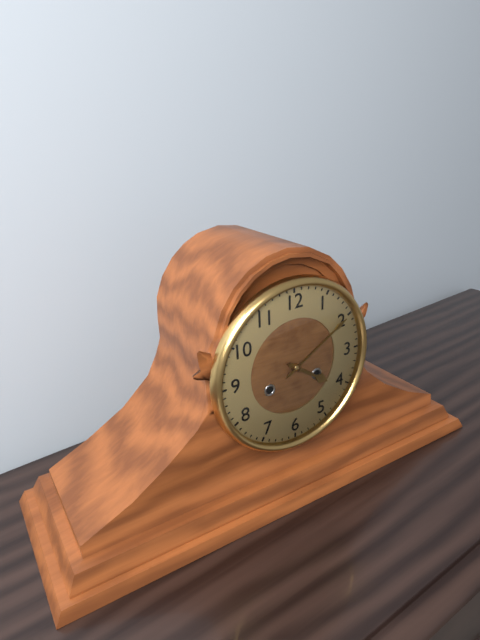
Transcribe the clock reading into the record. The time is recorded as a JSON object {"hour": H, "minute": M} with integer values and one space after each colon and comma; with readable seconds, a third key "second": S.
{"hour": 4, "minute": 10}
